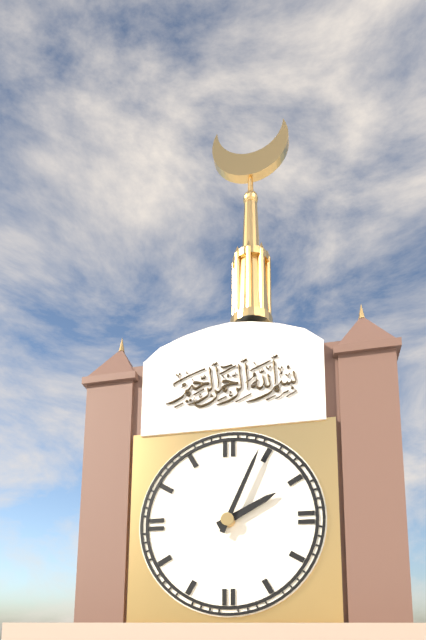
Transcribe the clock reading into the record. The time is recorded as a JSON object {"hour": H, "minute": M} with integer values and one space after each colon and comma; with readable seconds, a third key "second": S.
{"hour": 2, "minute": 4}
